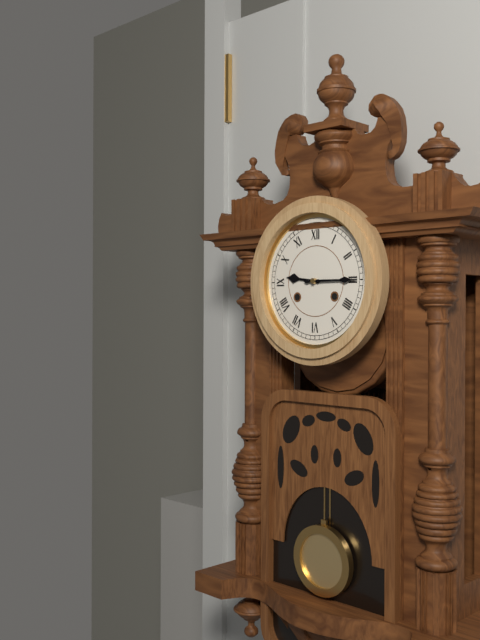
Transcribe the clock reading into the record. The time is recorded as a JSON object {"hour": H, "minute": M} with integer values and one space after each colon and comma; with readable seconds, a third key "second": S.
{"hour": 9, "minute": 15}
